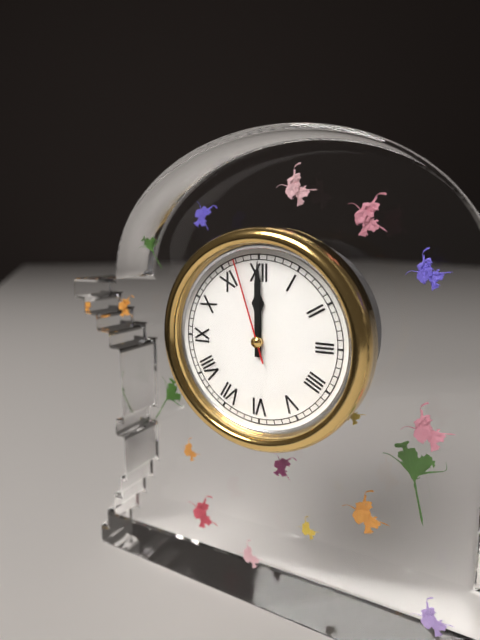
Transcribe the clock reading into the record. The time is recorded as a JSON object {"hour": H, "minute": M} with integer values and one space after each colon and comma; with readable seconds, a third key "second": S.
{"hour": 12, "minute": 0, "second": 57}
